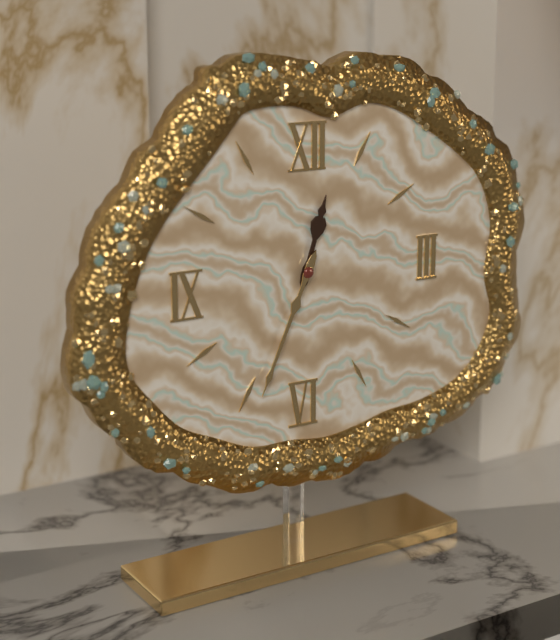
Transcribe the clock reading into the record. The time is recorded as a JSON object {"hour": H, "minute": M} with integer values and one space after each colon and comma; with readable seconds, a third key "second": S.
{"hour": 12, "minute": 34}
